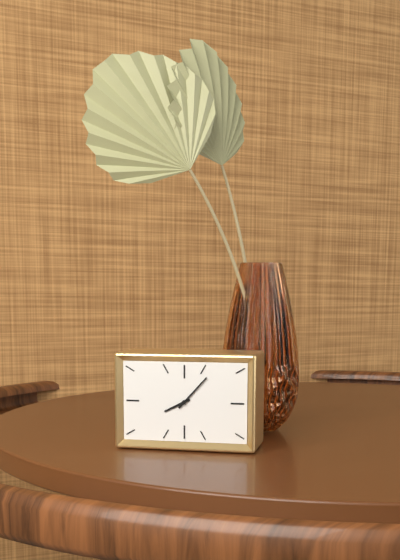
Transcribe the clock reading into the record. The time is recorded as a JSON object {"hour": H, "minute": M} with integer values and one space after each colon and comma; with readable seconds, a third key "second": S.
{"hour": 8, "minute": 7}
